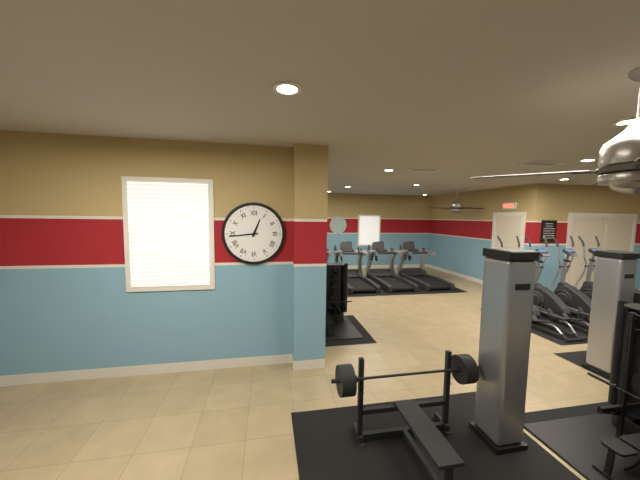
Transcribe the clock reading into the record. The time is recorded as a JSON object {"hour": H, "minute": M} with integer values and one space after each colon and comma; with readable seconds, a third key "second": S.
{"hour": 12, "minute": 44}
